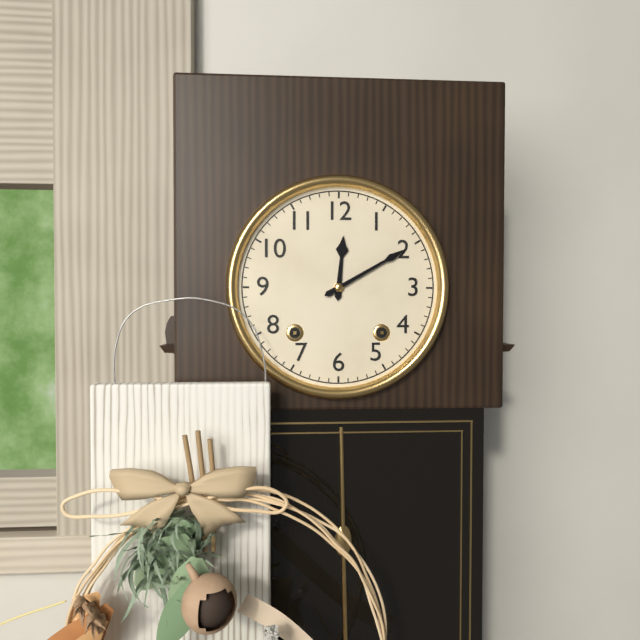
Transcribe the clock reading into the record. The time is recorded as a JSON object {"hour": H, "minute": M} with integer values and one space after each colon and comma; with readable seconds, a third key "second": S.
{"hour": 12, "minute": 10}
